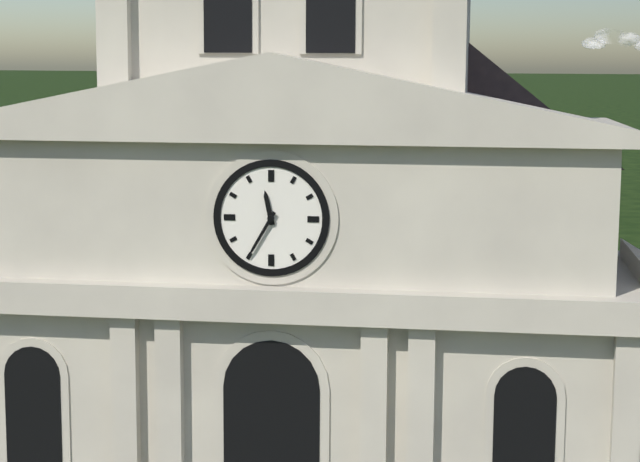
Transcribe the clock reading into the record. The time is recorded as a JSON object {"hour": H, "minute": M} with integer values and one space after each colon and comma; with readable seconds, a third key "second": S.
{"hour": 11, "minute": 35}
